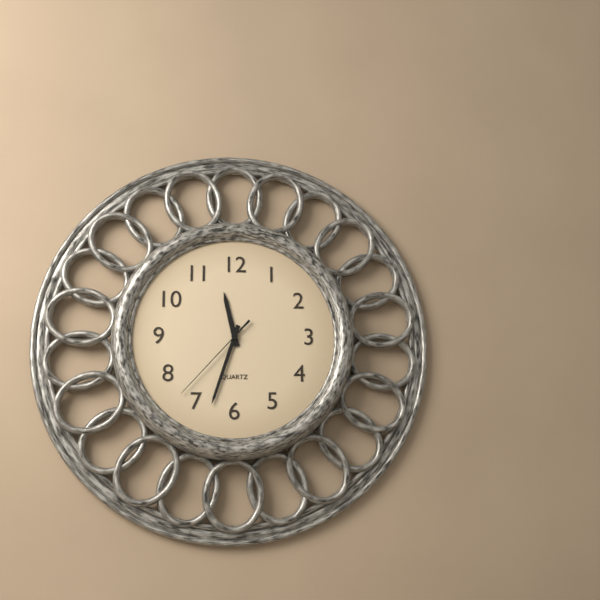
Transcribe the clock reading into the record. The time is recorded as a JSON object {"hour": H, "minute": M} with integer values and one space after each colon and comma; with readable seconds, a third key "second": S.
{"hour": 11, "minute": 33, "second": 37}
